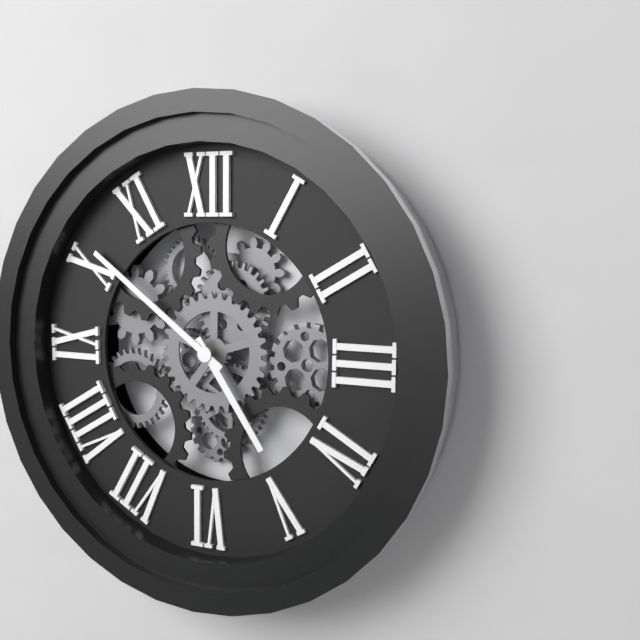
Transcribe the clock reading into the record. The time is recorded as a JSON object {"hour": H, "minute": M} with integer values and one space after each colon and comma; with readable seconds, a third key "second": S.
{"hour": 4, "minute": 51}
